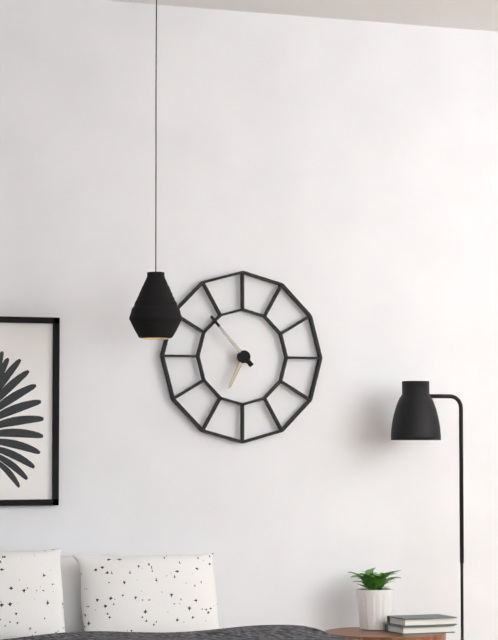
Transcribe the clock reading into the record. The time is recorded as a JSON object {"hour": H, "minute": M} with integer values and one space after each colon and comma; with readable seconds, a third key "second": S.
{"hour": 6, "minute": 53}
